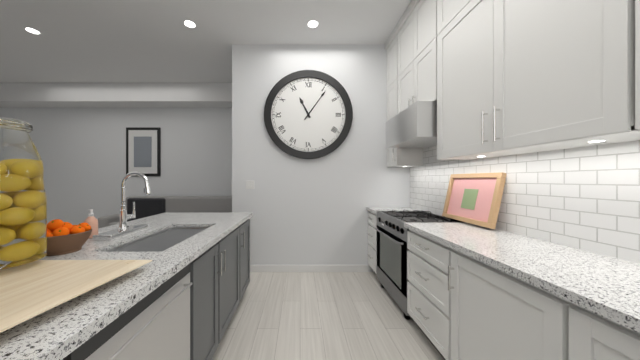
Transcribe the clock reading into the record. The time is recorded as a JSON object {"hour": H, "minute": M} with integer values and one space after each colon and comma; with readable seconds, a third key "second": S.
{"hour": 11, "minute": 6}
